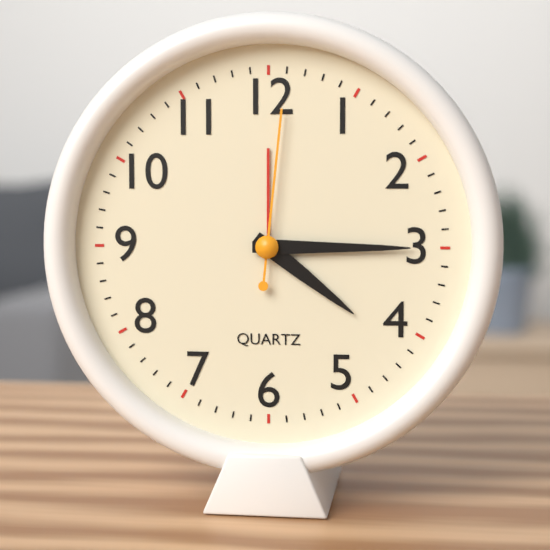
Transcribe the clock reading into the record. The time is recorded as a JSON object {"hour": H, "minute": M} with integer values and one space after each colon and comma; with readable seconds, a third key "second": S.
{"hour": 4, "minute": 15, "second": 1}
